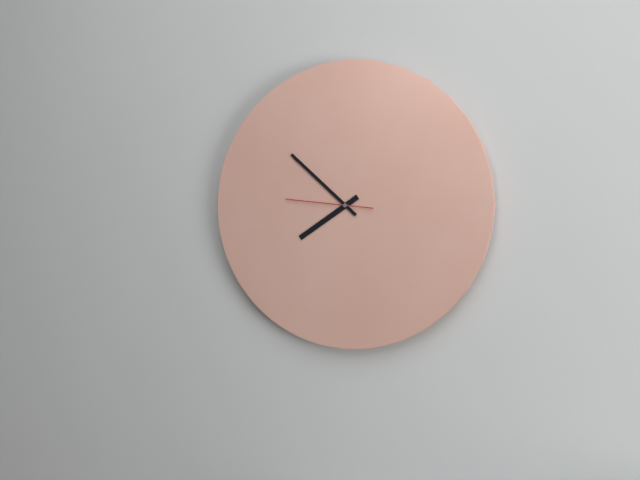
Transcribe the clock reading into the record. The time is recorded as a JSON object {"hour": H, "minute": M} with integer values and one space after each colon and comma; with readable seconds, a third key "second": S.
{"hour": 7, "minute": 52, "second": 46}
